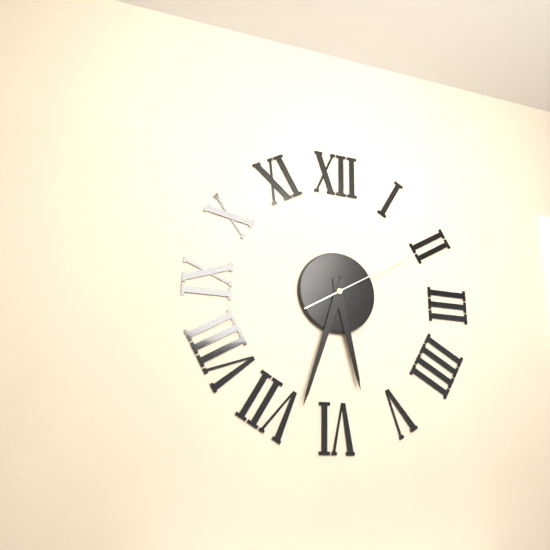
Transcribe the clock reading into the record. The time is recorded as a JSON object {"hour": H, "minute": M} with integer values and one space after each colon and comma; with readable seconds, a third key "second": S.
{"hour": 5, "minute": 33, "second": 10}
